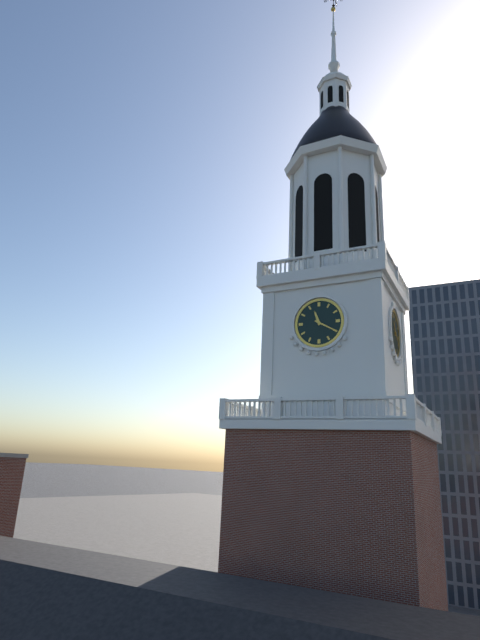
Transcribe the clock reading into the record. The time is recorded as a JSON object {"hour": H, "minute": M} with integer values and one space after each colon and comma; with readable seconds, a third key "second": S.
{"hour": 11, "minute": 20}
